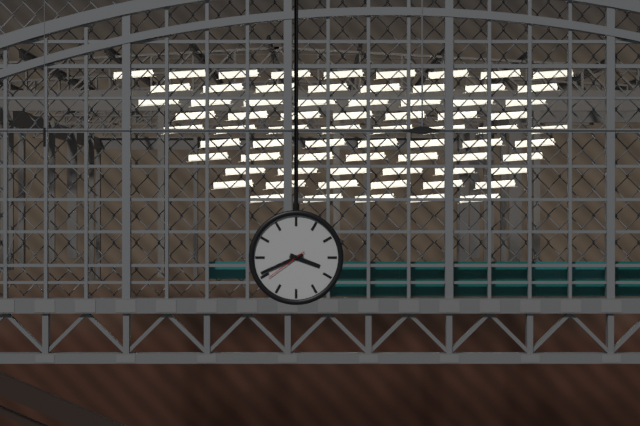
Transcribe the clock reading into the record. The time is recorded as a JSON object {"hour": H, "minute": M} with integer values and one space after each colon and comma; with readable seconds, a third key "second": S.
{"hour": 3, "minute": 41}
